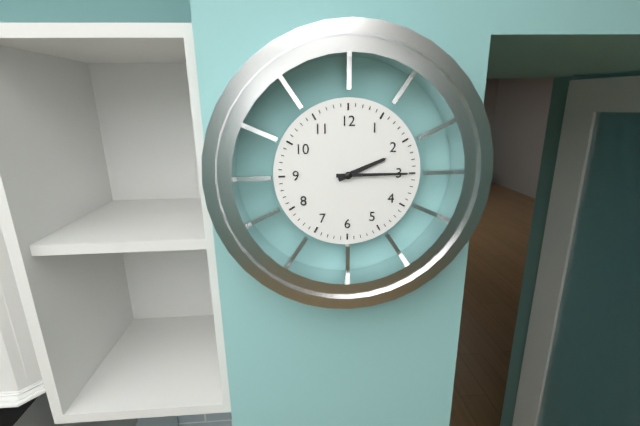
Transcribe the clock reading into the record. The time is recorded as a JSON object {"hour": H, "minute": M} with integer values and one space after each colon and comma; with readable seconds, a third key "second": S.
{"hour": 2, "minute": 15}
